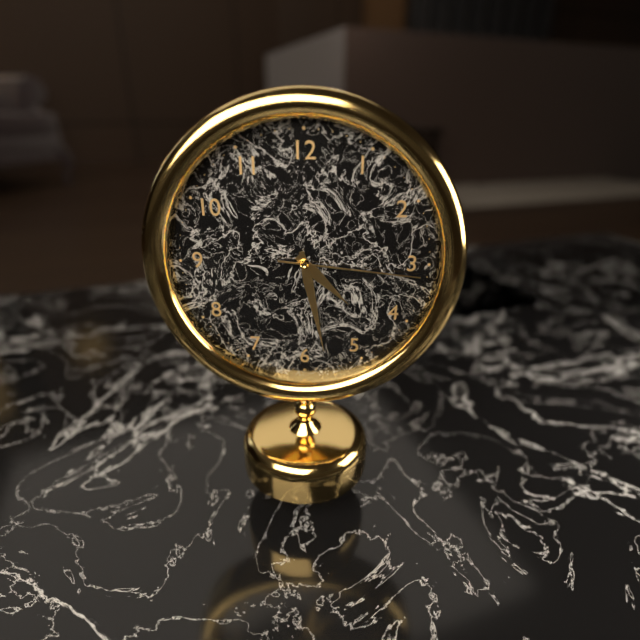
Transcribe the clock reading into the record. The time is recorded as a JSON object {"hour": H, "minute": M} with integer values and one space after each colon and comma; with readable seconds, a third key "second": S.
{"hour": 4, "minute": 28, "second": 16}
